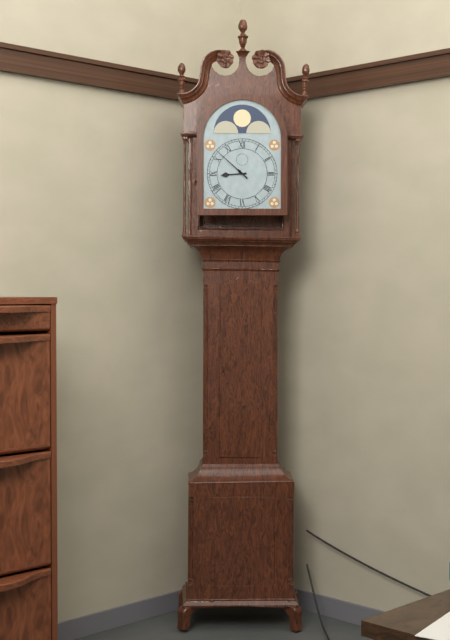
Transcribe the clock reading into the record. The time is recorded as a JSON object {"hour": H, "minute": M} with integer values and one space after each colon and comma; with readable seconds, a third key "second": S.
{"hour": 8, "minute": 52}
